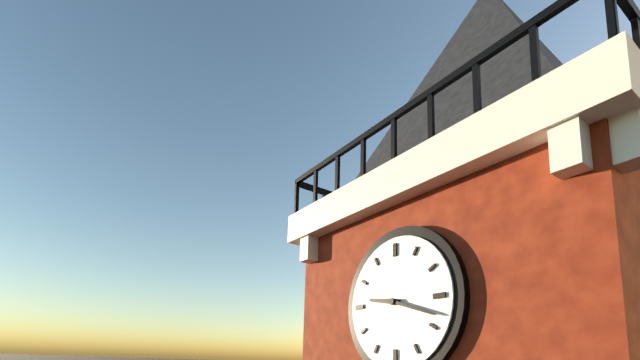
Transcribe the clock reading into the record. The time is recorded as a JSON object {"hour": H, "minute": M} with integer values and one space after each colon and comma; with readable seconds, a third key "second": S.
{"hour": 9, "minute": 18}
